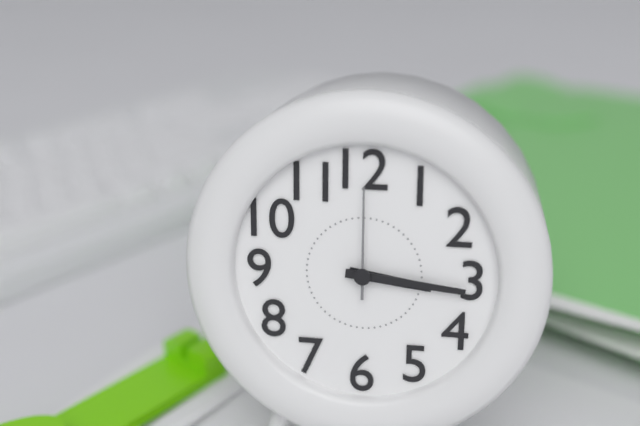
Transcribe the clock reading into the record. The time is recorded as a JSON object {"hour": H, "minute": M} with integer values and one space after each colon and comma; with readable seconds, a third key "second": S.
{"hour": 3, "minute": 16, "second": 0}
